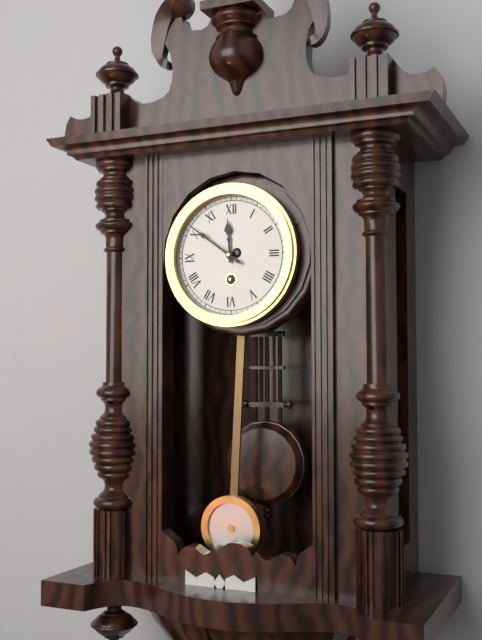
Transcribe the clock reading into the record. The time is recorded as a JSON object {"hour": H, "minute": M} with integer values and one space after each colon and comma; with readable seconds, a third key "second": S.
{"hour": 11, "minute": 51}
